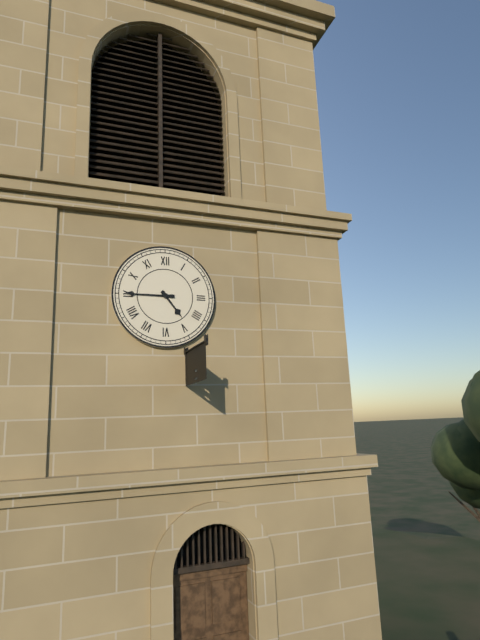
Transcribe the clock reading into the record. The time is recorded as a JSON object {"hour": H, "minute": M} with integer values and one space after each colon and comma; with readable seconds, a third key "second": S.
{"hour": 4, "minute": 45}
